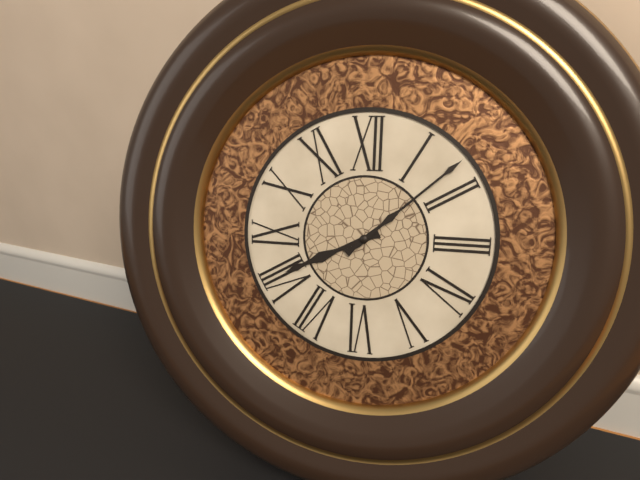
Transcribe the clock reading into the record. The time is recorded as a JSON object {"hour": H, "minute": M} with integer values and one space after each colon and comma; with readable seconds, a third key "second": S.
{"hour": 8, "minute": 8}
